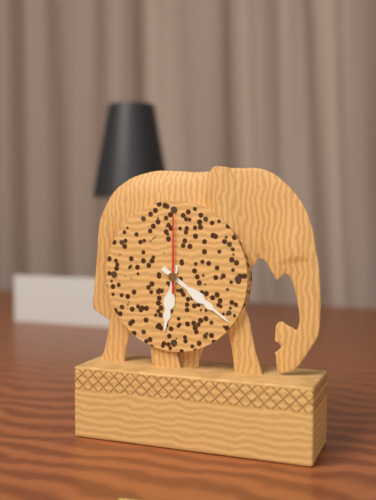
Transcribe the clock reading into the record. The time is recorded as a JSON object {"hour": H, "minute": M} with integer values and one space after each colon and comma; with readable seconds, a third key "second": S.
{"hour": 6, "minute": 21, "second": 0}
